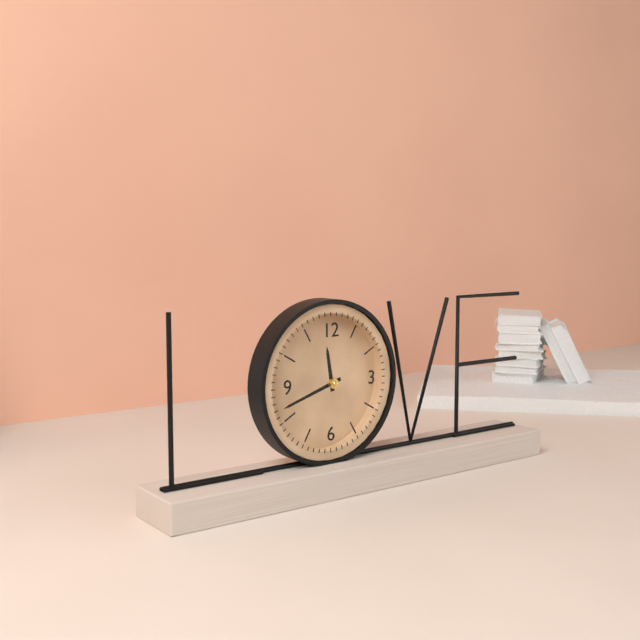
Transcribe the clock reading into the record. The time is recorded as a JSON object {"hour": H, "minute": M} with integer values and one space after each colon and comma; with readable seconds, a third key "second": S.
{"hour": 11, "minute": 42}
